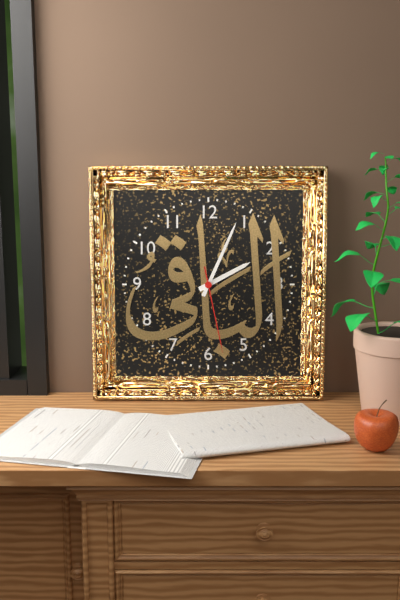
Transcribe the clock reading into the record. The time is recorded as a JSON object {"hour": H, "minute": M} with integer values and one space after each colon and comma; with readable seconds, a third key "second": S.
{"hour": 2, "minute": 4, "second": 28}
